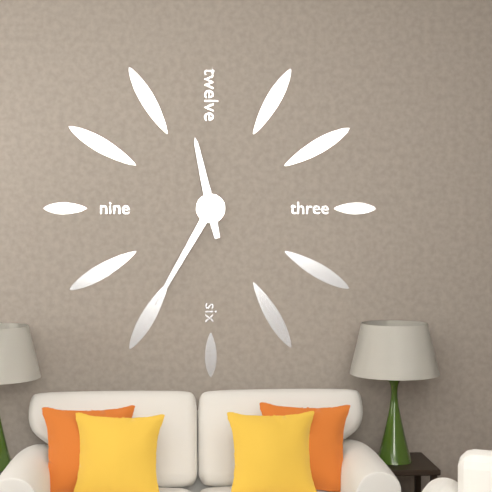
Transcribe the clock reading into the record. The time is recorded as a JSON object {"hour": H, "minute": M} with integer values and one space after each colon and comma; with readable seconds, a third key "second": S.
{"hour": 11, "minute": 35}
